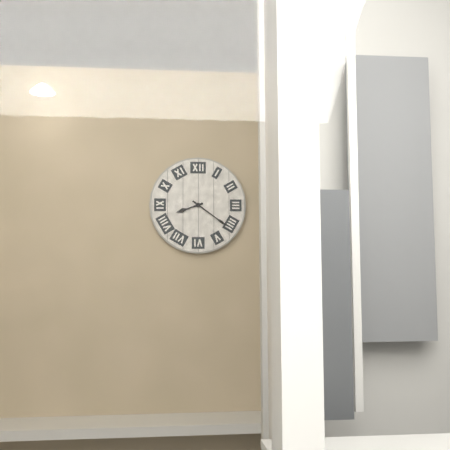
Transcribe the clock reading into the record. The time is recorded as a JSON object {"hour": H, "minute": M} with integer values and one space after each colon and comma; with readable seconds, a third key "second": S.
{"hour": 8, "minute": 21}
